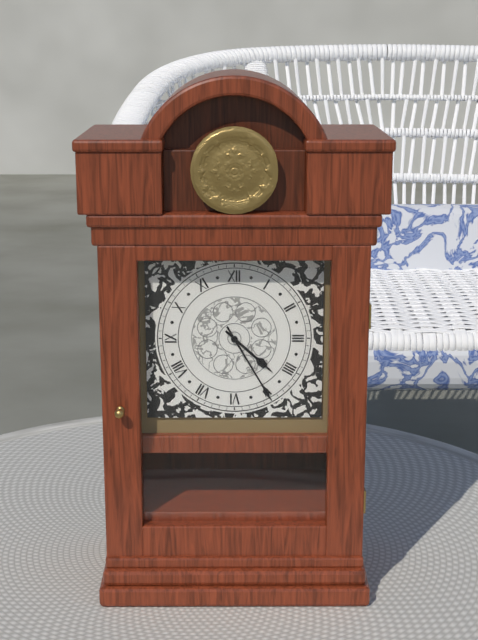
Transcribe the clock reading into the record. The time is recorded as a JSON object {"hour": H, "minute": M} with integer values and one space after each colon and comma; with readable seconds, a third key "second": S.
{"hour": 4, "minute": 25}
